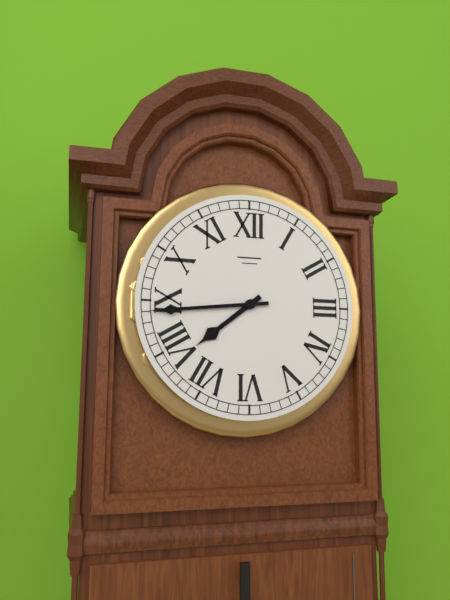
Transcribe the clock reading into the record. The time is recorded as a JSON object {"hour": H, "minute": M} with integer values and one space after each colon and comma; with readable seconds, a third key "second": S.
{"hour": 7, "minute": 44}
